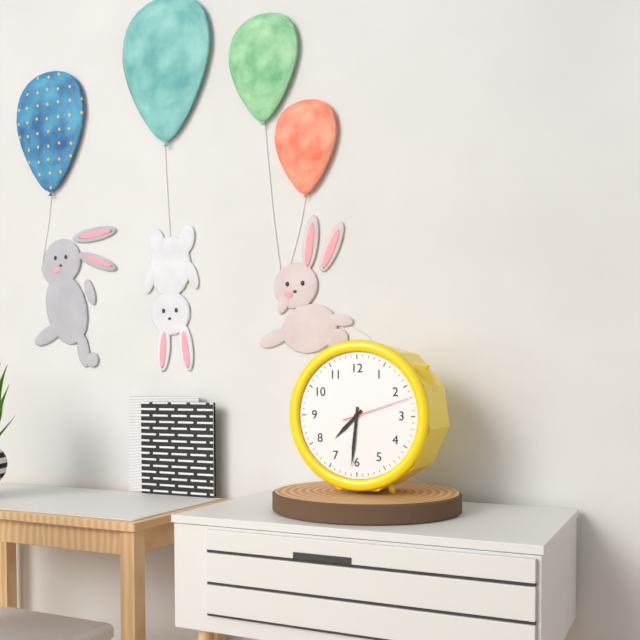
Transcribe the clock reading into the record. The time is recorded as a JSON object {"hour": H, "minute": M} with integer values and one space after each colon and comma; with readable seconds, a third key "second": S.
{"hour": 7, "minute": 31, "second": 12}
